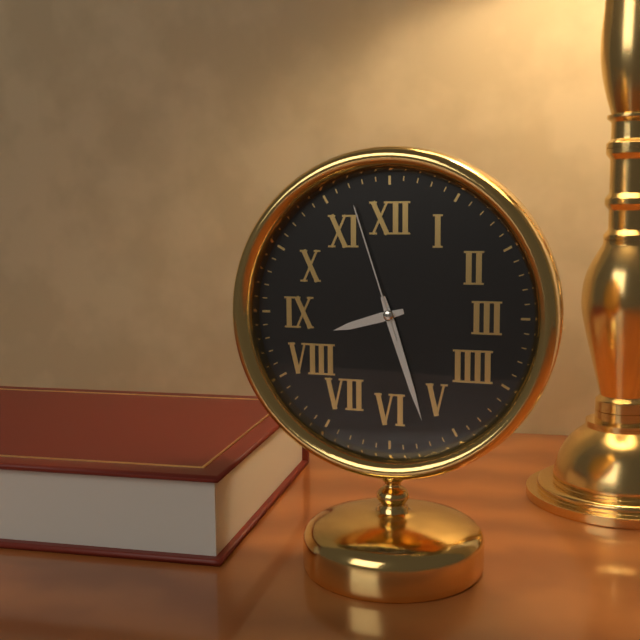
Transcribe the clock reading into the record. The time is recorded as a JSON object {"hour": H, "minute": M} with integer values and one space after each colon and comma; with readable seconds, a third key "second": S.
{"hour": 8, "minute": 27, "second": 57}
